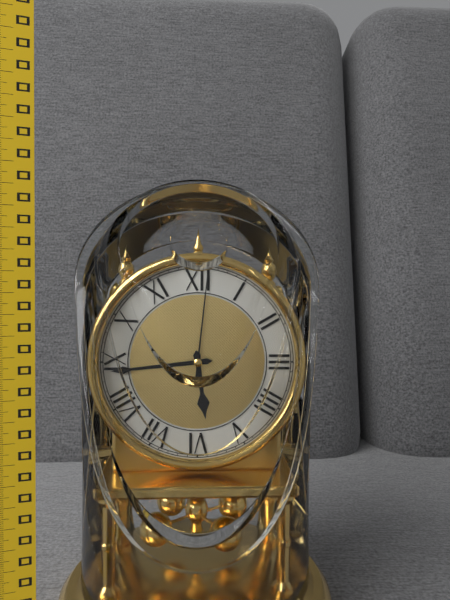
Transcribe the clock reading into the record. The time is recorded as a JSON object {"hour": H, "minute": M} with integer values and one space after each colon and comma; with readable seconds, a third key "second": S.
{"hour": 5, "minute": 44, "second": 1}
